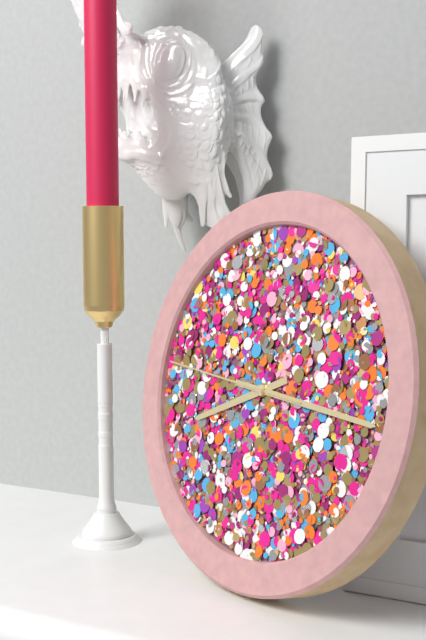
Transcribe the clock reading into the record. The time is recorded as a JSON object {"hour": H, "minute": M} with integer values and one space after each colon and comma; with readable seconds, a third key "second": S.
{"hour": 8, "minute": 16, "second": 46}
